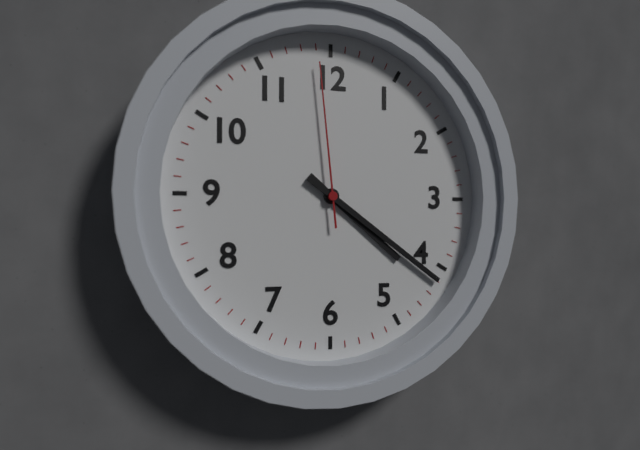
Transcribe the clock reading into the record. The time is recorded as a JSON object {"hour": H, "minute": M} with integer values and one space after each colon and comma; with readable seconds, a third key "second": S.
{"hour": 4, "minute": 21, "second": 59}
